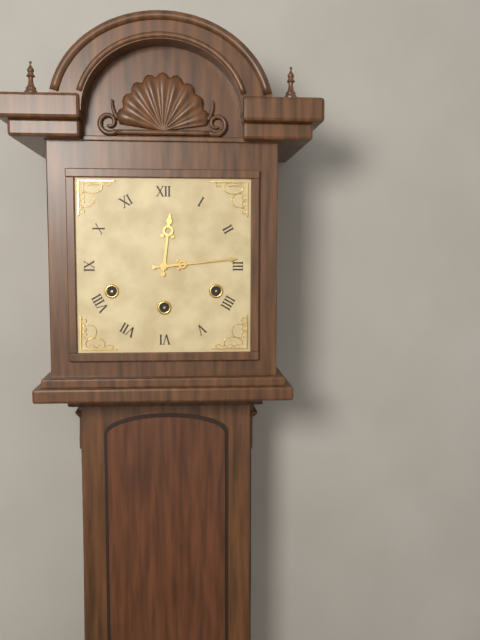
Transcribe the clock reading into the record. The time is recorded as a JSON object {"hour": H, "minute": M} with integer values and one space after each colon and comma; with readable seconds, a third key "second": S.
{"hour": 12, "minute": 14}
